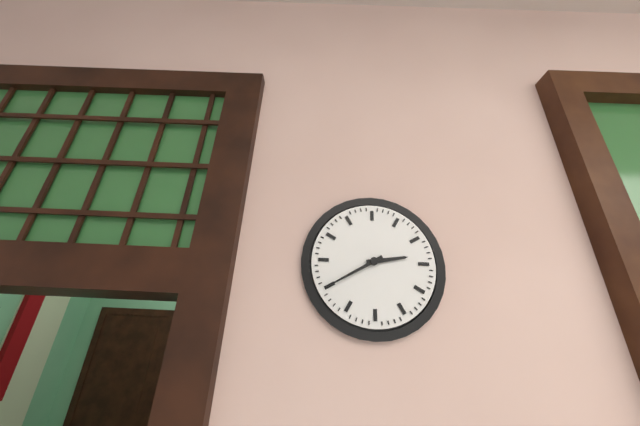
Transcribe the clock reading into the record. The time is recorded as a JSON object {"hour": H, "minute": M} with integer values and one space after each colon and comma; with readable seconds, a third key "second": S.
{"hour": 2, "minute": 40}
